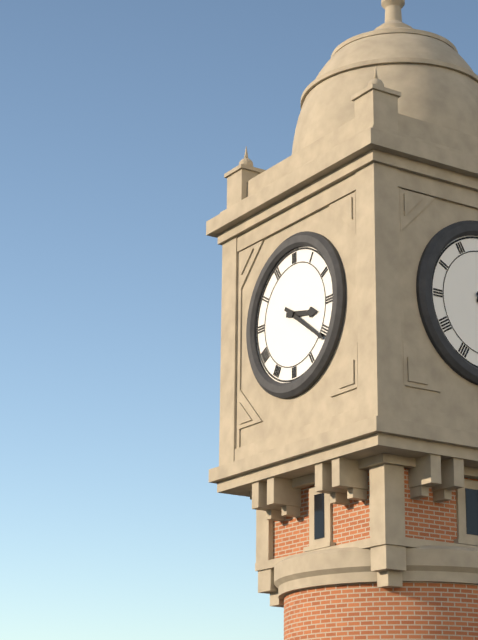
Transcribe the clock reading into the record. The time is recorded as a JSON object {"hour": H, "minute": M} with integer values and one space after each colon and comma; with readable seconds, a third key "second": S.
{"hour": 3, "minute": 21}
